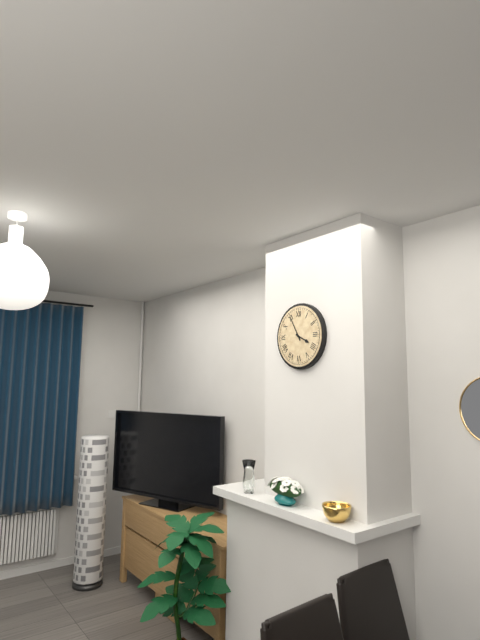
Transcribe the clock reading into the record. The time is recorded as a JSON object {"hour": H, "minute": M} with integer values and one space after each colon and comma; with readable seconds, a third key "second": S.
{"hour": 3, "minute": 55}
